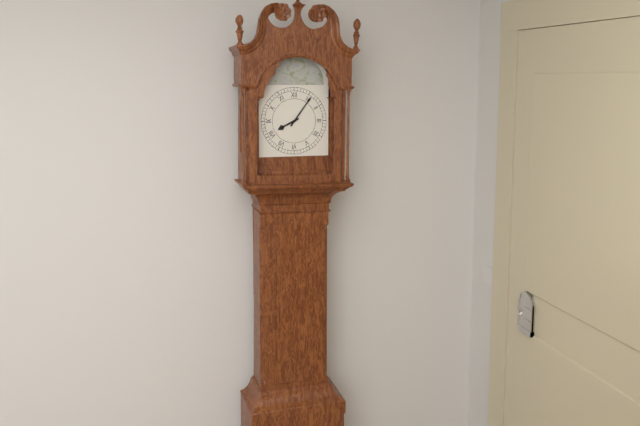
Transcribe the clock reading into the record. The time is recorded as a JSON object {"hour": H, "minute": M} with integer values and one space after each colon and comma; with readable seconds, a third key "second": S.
{"hour": 8, "minute": 6}
